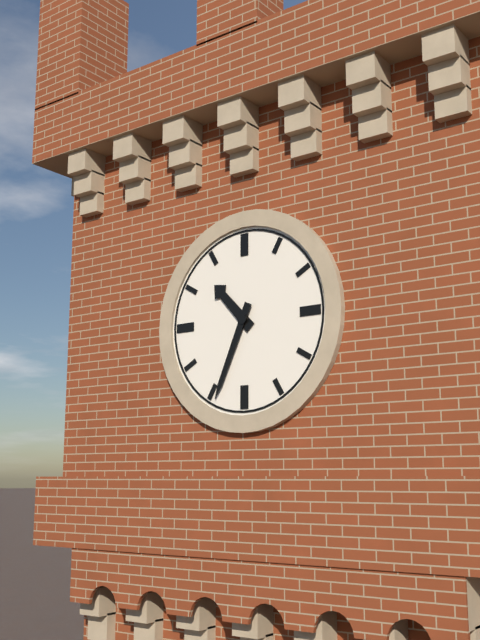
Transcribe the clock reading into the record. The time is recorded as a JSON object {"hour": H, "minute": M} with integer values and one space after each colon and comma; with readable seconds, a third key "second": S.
{"hour": 10, "minute": 34}
